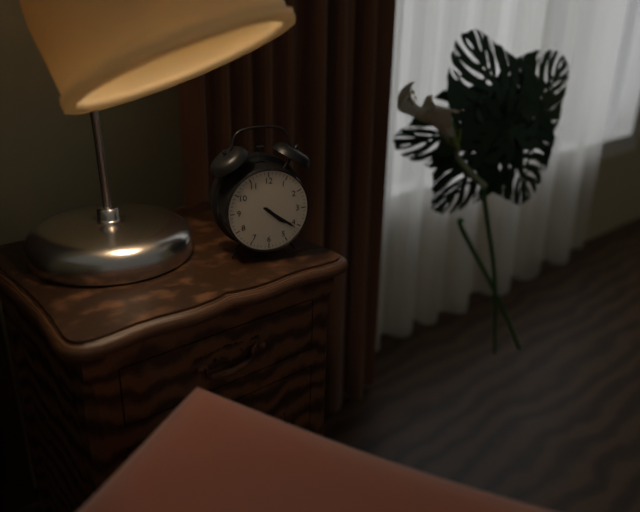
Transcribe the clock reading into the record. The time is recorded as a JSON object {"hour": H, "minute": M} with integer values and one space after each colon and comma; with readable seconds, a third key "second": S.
{"hour": 4, "minute": 21}
